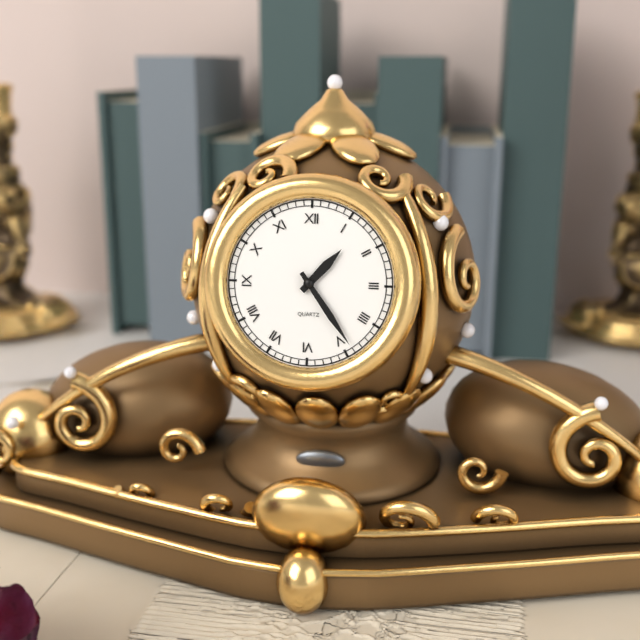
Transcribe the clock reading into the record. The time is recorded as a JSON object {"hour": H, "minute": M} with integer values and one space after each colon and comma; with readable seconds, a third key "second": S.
{"hour": 1, "minute": 24}
